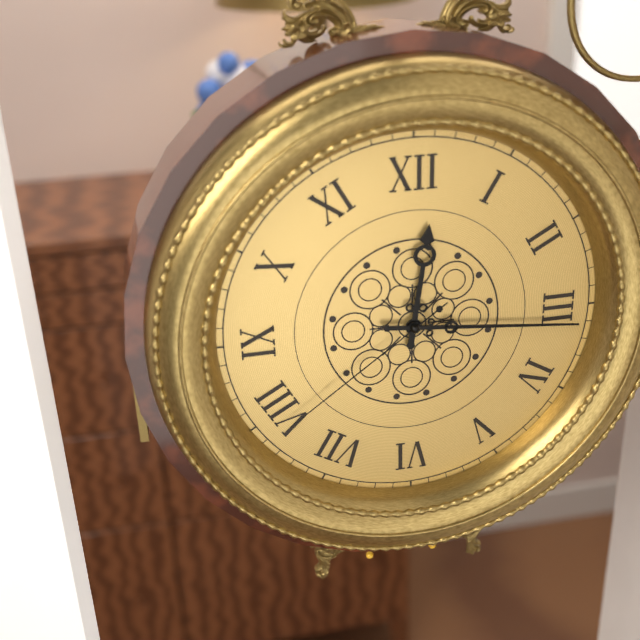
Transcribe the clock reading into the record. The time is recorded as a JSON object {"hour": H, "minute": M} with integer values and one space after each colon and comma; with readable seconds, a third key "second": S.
{"hour": 12, "minute": 16, "second": 39}
